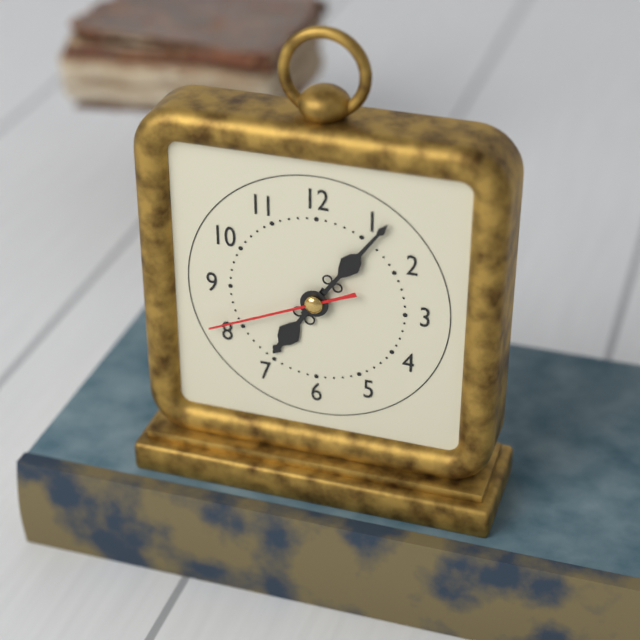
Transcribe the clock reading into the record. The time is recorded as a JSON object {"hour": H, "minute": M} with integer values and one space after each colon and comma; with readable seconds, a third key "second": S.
{"hour": 7, "minute": 6, "second": 41}
